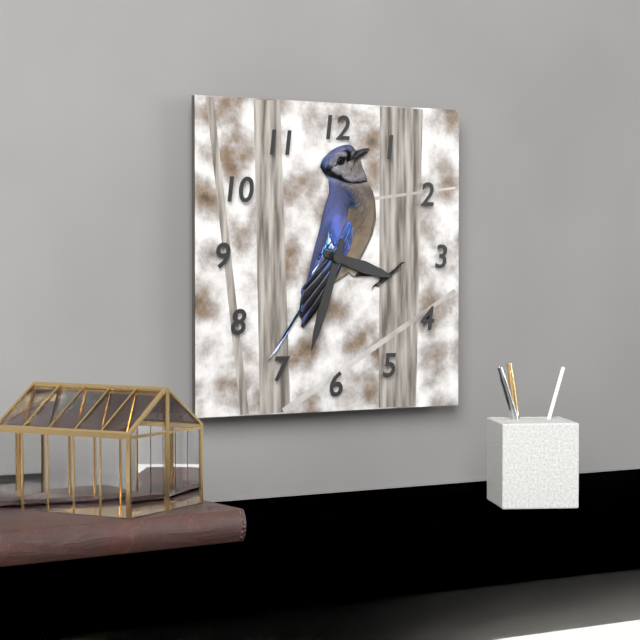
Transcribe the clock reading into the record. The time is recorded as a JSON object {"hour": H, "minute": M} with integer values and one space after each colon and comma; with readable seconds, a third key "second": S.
{"hour": 3, "minute": 33}
